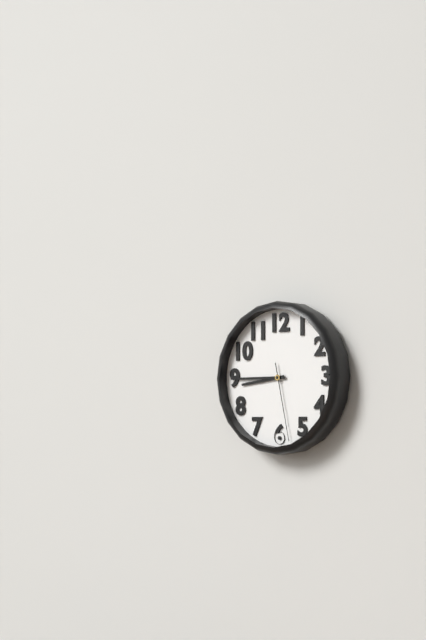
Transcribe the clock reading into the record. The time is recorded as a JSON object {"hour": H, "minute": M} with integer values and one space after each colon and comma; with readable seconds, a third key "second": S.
{"hour": 8, "minute": 45, "second": 28}
